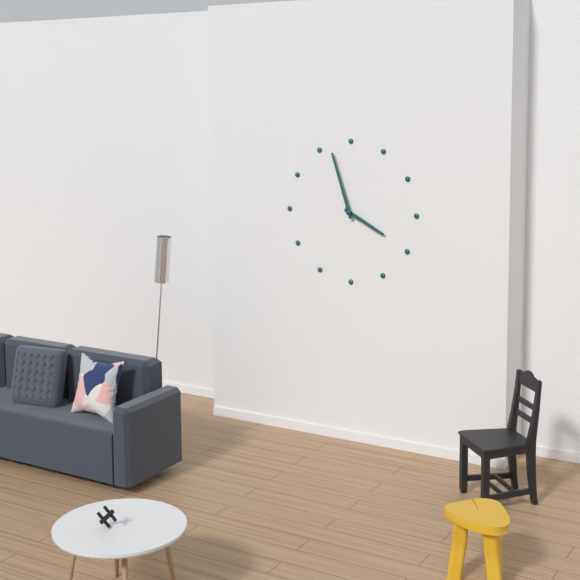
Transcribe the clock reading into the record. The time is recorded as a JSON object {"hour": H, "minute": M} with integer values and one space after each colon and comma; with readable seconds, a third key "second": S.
{"hour": 3, "minute": 57}
